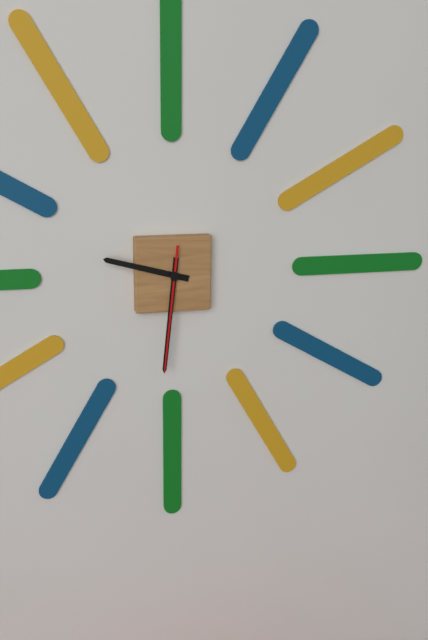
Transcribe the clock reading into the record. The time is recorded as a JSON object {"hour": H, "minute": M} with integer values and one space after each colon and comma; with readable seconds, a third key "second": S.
{"hour": 9, "minute": 31, "second": 31}
